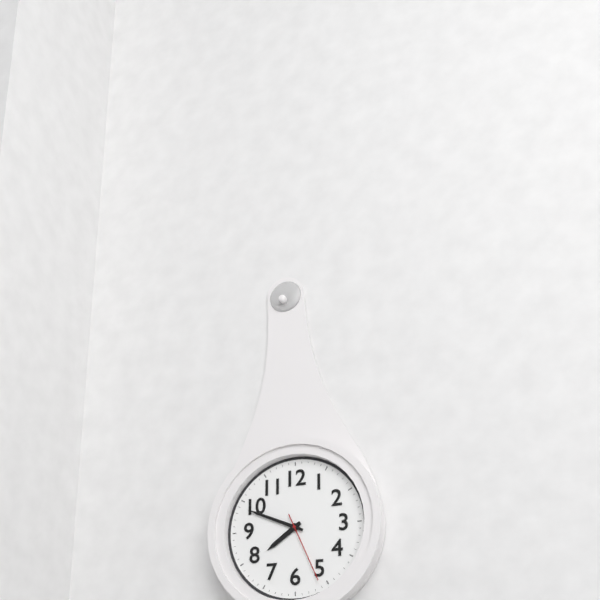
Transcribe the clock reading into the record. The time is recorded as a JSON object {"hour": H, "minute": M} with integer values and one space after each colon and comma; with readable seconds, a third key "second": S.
{"hour": 7, "minute": 49, "second": 26}
